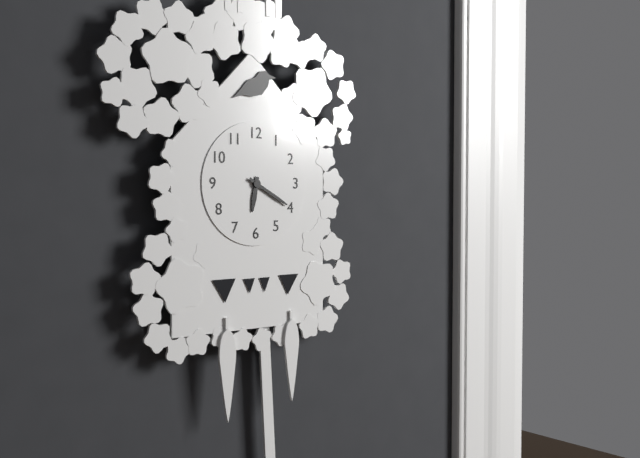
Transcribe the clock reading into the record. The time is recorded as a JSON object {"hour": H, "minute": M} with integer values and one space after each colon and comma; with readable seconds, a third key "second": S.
{"hour": 6, "minute": 20}
